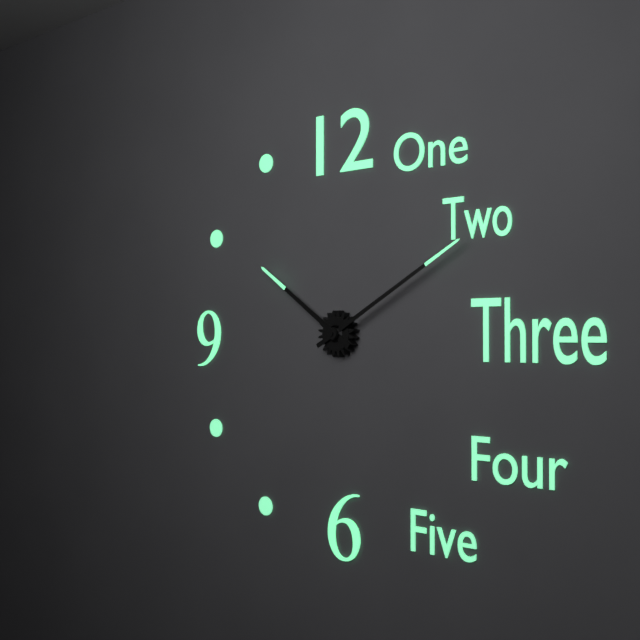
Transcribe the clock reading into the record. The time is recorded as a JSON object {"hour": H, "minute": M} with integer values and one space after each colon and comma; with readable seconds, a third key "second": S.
{"hour": 10, "minute": 10}
